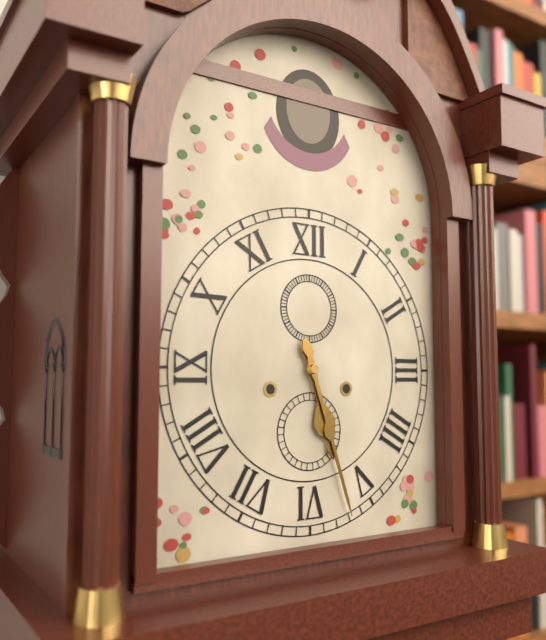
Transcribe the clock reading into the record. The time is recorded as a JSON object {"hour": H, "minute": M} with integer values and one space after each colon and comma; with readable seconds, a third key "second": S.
{"hour": 5, "minute": 27}
